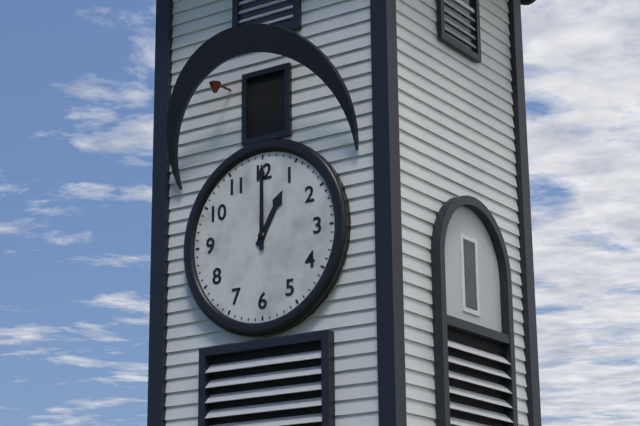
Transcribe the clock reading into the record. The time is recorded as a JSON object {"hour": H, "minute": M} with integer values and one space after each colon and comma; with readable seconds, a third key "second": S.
{"hour": 1, "minute": 0}
